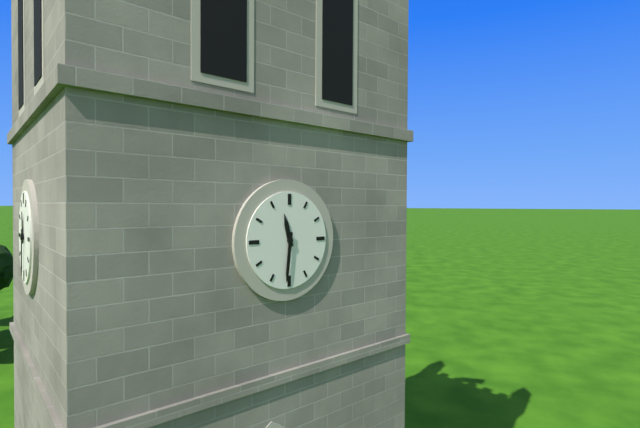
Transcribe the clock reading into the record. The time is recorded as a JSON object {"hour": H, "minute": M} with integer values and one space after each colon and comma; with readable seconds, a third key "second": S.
{"hour": 11, "minute": 31}
